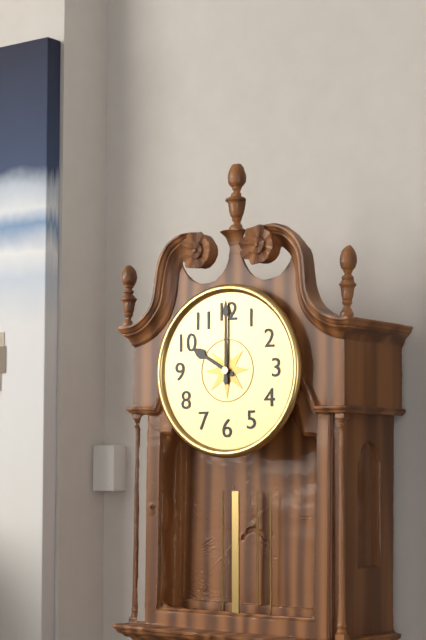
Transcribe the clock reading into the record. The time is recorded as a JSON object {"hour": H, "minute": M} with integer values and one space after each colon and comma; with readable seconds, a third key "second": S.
{"hour": 10, "minute": 0}
